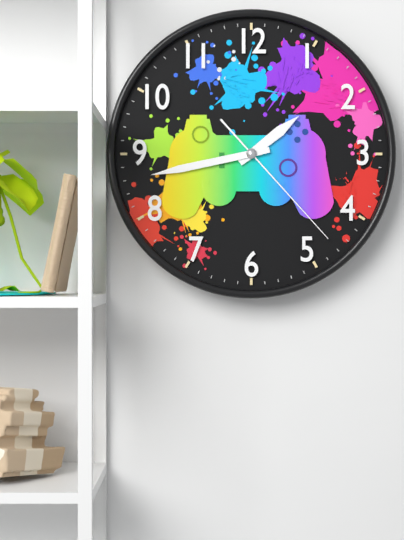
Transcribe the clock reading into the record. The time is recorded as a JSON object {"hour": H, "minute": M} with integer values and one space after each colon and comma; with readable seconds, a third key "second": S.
{"hour": 1, "minute": 43, "second": 23}
